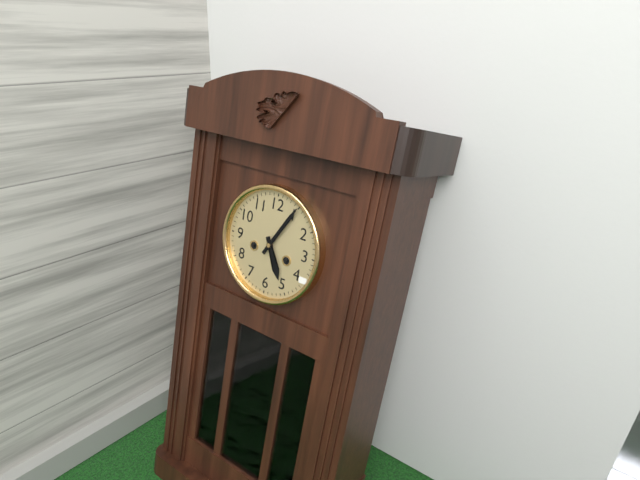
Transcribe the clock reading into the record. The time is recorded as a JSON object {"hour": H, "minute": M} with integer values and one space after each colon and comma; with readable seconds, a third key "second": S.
{"hour": 5, "minute": 5}
